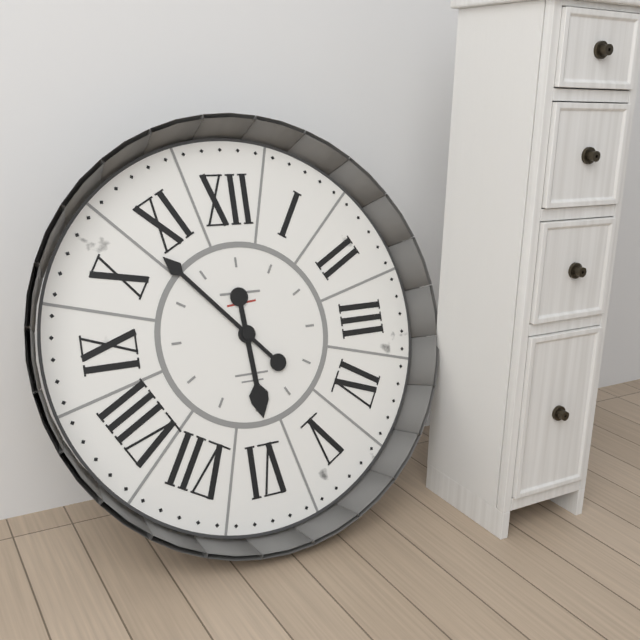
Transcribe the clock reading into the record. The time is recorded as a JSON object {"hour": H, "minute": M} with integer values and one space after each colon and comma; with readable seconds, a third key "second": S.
{"hour": 5, "minute": 53}
